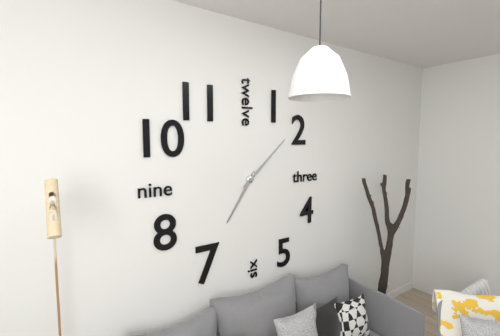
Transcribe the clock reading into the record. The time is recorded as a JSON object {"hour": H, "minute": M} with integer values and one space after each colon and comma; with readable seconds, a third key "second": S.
{"hour": 7, "minute": 8}
